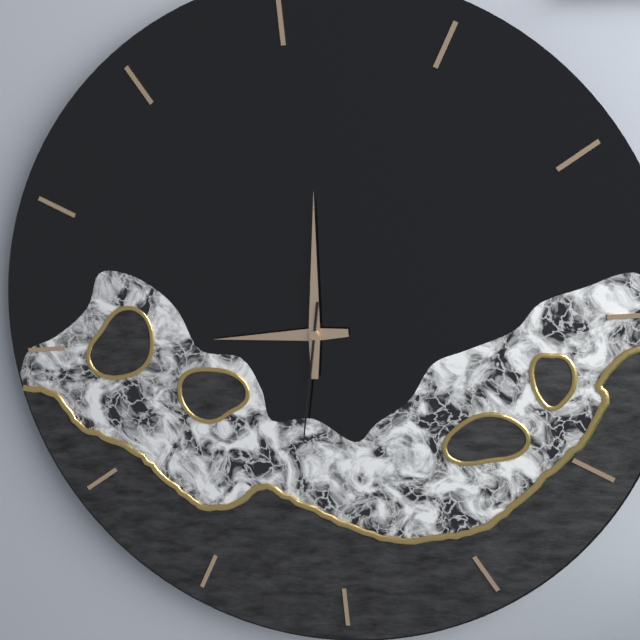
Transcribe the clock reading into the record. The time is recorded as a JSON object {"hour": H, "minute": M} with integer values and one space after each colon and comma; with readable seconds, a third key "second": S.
{"hour": 9, "minute": 1, "second": 32}
